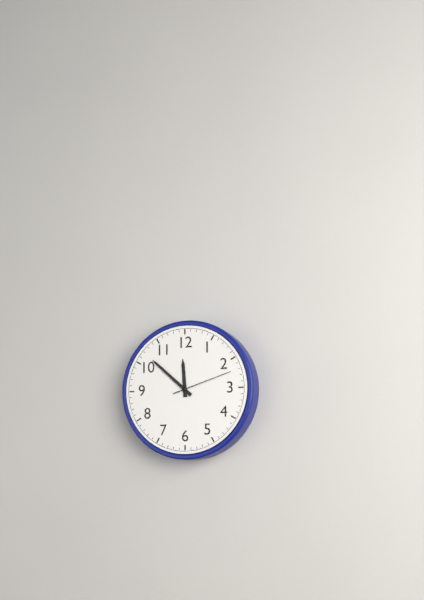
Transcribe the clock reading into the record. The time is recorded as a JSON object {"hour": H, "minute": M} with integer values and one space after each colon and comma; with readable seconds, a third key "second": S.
{"hour": 11, "minute": 52, "second": 12}
